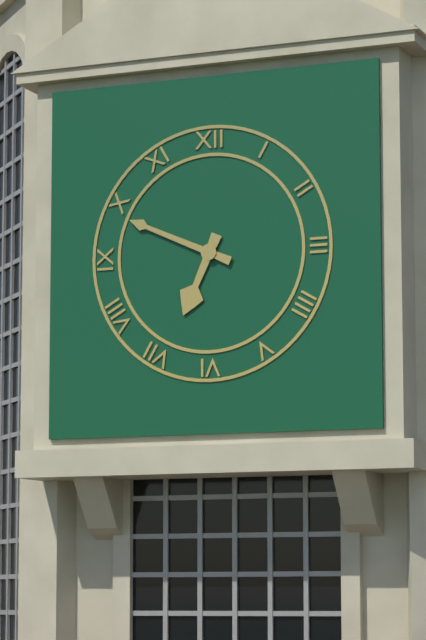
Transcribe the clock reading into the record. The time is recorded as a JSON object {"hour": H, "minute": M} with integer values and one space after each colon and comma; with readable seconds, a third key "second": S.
{"hour": 6, "minute": 49}
